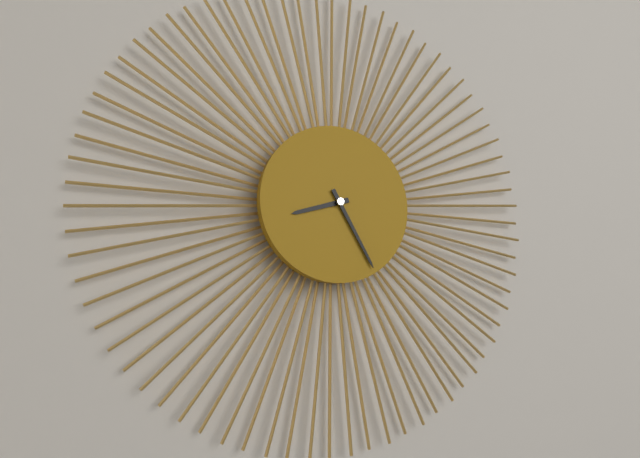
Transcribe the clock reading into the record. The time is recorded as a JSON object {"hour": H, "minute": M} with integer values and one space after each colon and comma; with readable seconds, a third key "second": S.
{"hour": 8, "minute": 25}
